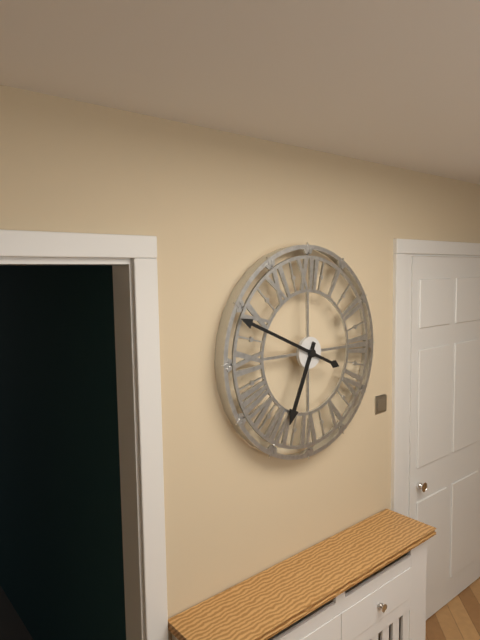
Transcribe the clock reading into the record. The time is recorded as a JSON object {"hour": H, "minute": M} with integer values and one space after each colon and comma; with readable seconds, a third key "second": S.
{"hour": 6, "minute": 49}
